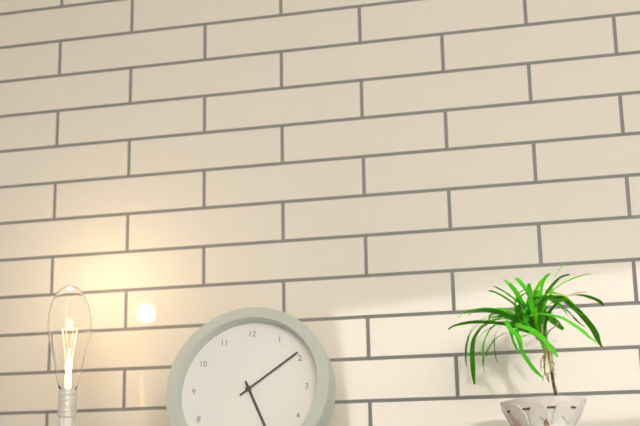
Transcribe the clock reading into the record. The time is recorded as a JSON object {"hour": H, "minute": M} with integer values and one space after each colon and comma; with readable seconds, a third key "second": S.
{"hour": 5, "minute": 9}
